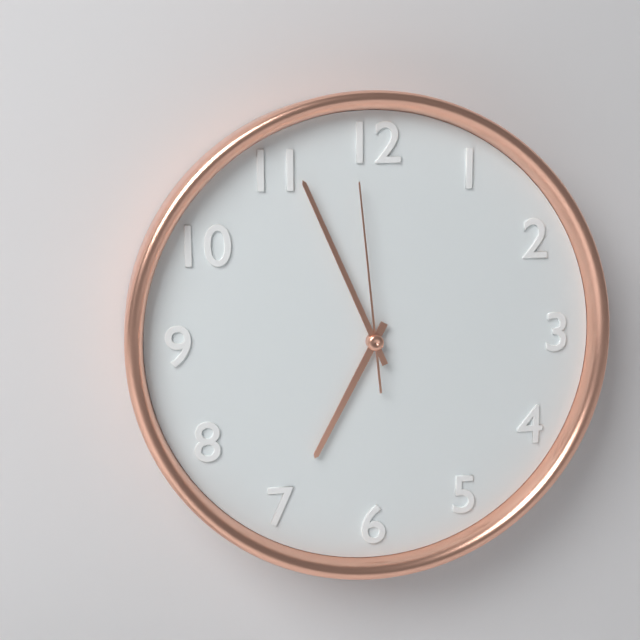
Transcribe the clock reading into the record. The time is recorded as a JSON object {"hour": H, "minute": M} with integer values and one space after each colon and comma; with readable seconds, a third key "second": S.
{"hour": 6, "minute": 56, "second": 59}
